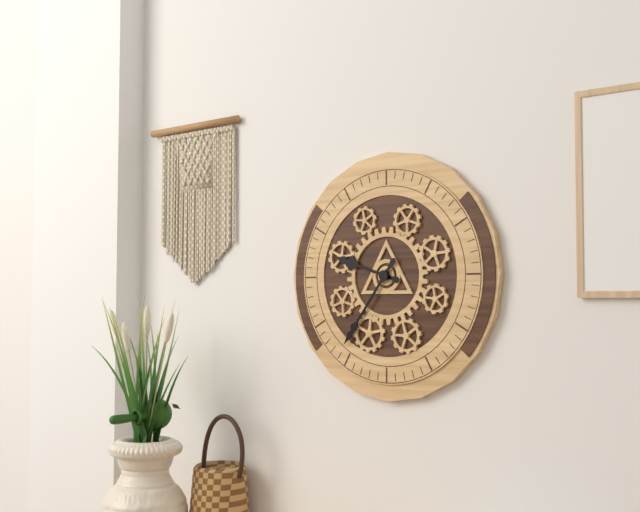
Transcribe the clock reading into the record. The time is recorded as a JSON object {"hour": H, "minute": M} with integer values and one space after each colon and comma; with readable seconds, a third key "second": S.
{"hour": 9, "minute": 36}
